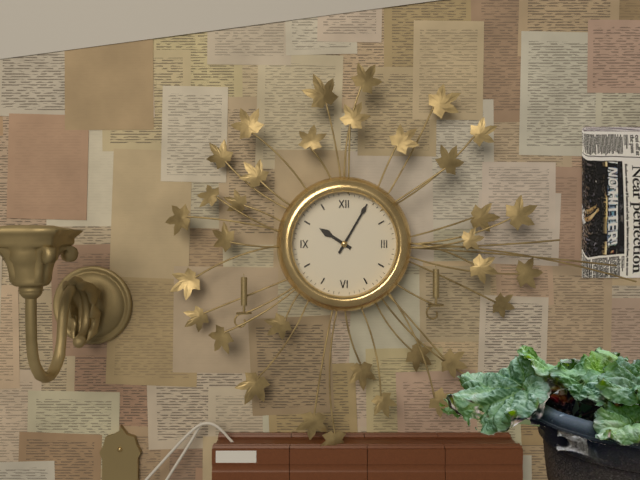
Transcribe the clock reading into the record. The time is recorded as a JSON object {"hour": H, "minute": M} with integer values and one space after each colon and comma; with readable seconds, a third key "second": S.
{"hour": 10, "minute": 5}
